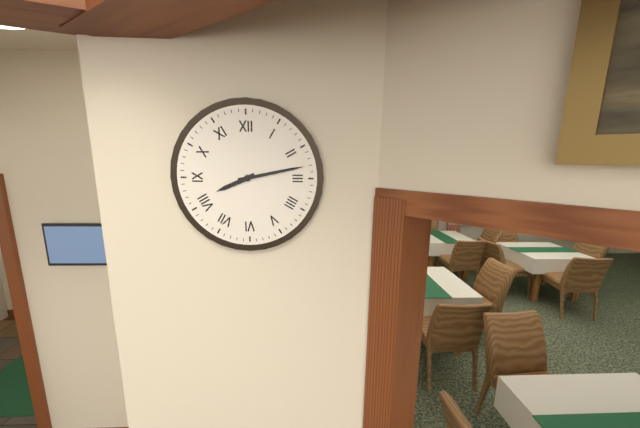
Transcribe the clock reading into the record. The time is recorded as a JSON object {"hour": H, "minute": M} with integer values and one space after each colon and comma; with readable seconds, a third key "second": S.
{"hour": 8, "minute": 13}
